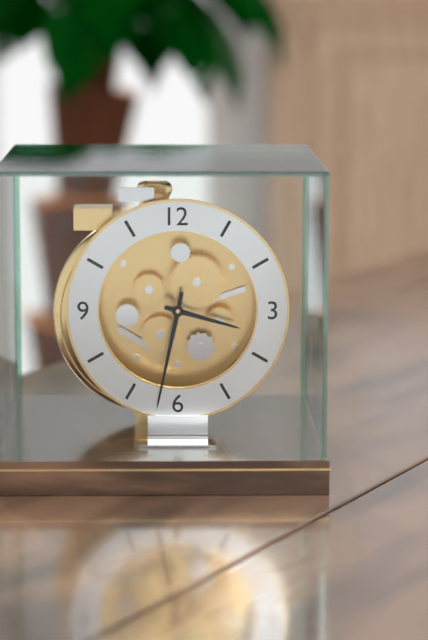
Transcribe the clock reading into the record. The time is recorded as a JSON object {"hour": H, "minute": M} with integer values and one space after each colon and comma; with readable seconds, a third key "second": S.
{"hour": 3, "minute": 32}
